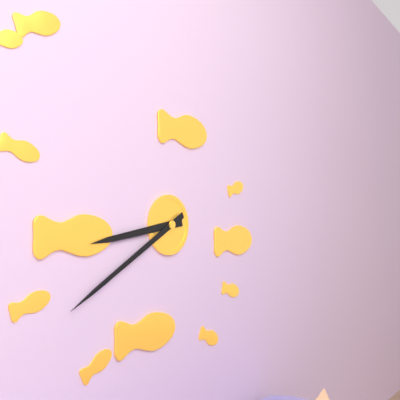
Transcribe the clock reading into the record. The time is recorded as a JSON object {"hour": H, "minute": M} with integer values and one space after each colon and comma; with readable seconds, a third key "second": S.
{"hour": 8, "minute": 40}
